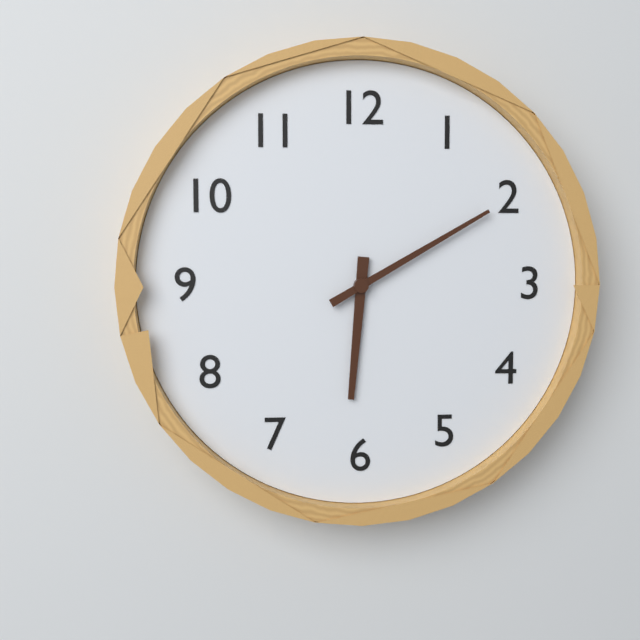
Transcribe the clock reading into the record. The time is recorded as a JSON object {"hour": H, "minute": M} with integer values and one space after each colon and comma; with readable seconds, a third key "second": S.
{"hour": 6, "minute": 10}
